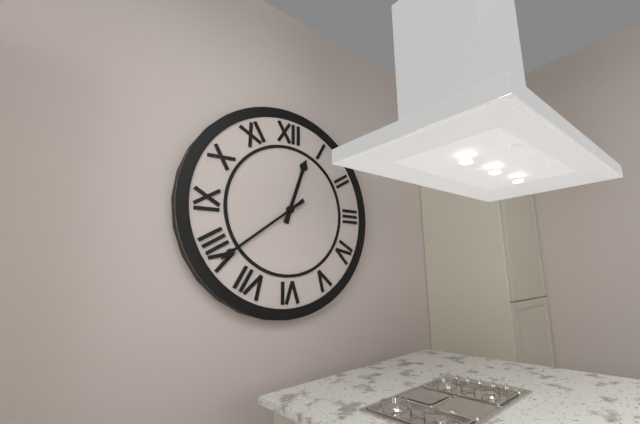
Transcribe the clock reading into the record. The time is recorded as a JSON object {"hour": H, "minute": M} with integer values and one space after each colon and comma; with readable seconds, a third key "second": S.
{"hour": 12, "minute": 39}
